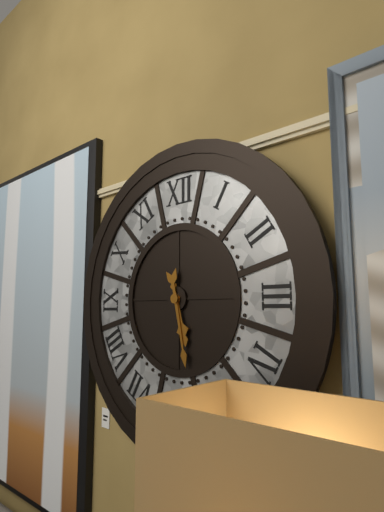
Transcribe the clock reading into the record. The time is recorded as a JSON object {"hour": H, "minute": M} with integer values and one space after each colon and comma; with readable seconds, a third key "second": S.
{"hour": 5, "minute": 28}
